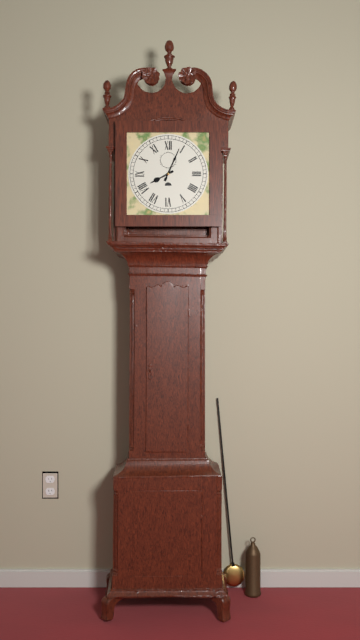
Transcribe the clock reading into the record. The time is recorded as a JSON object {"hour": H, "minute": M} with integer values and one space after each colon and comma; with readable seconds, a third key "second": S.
{"hour": 8, "minute": 4}
